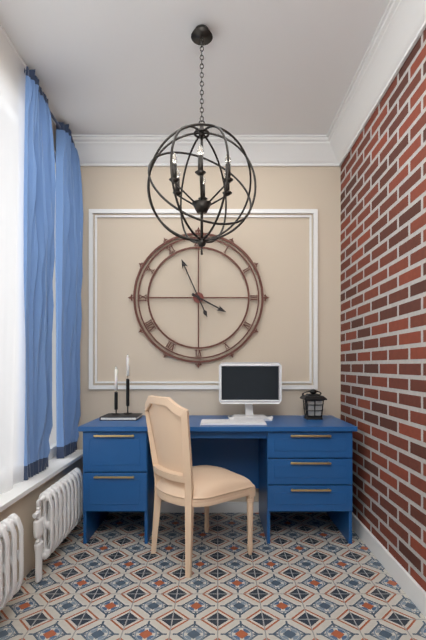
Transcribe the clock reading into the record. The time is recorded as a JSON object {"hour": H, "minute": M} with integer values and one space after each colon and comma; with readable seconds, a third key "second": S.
{"hour": 3, "minute": 56}
